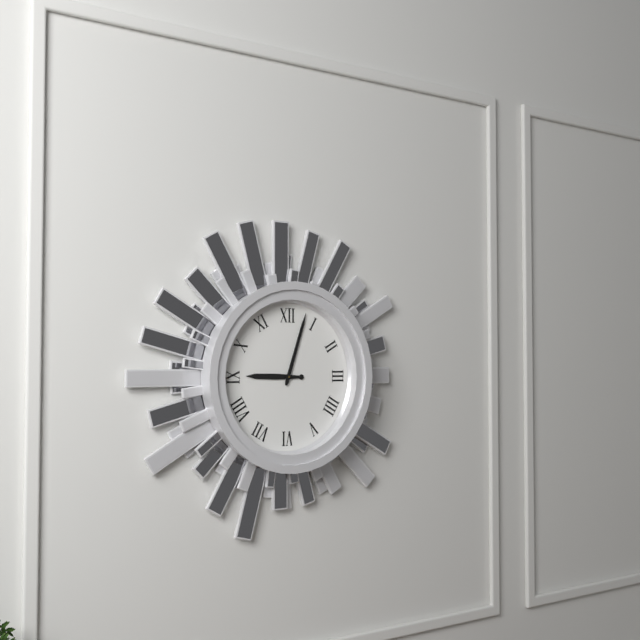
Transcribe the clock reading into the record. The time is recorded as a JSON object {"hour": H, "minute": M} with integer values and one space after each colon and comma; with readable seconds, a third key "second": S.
{"hour": 9, "minute": 3}
